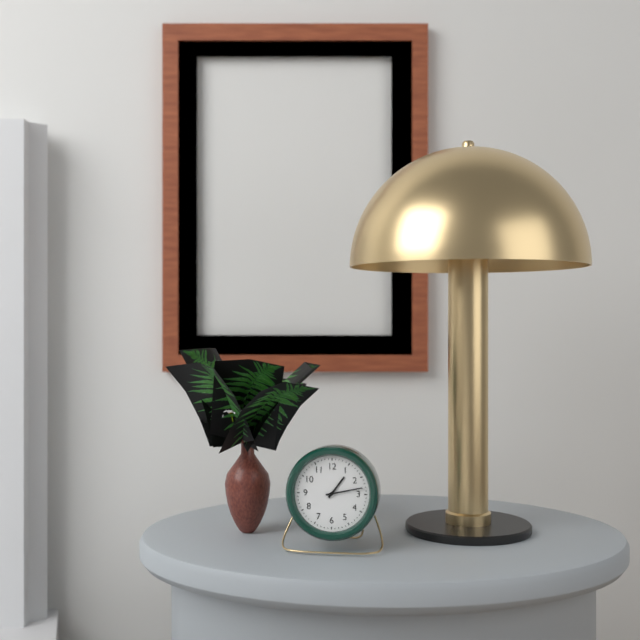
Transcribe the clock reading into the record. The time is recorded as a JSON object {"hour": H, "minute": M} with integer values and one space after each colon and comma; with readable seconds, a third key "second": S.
{"hour": 1, "minute": 13}
